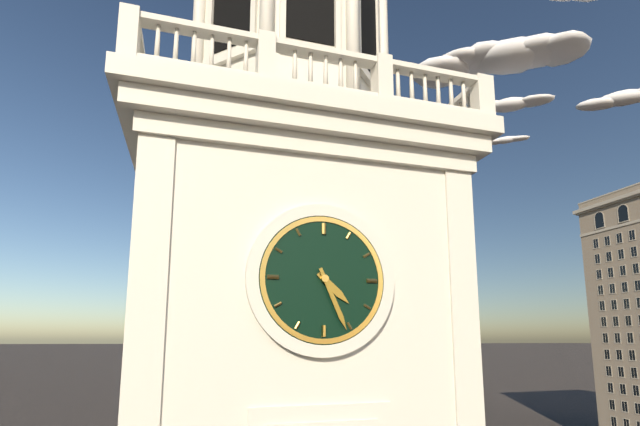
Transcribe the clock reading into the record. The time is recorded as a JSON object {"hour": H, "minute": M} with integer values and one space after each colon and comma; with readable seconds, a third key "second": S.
{"hour": 4, "minute": 26}
